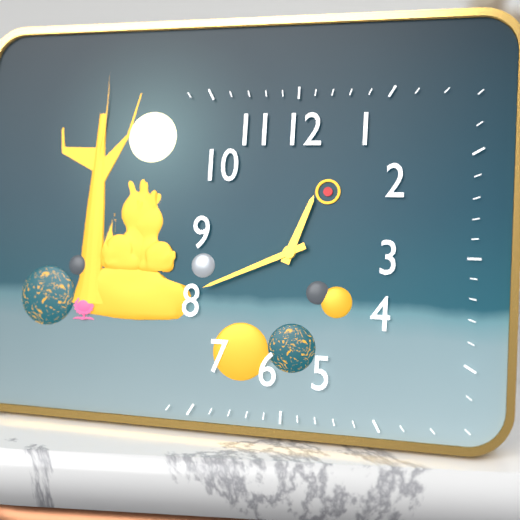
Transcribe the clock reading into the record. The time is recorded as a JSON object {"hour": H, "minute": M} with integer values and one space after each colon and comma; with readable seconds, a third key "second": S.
{"hour": 12, "minute": 41}
